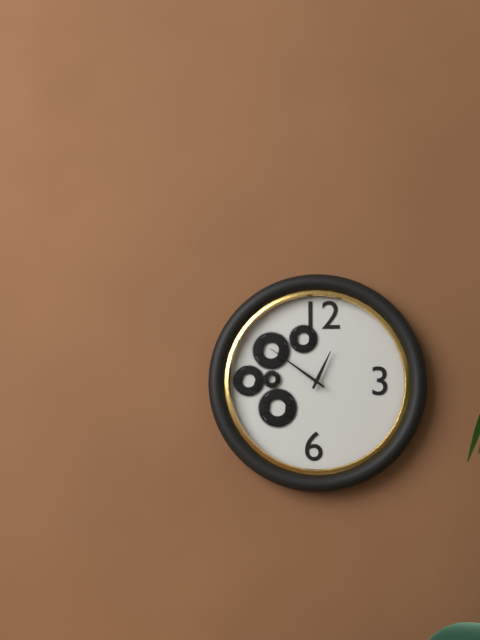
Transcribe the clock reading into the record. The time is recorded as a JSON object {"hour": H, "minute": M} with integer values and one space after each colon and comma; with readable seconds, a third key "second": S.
{"hour": 12, "minute": 51}
